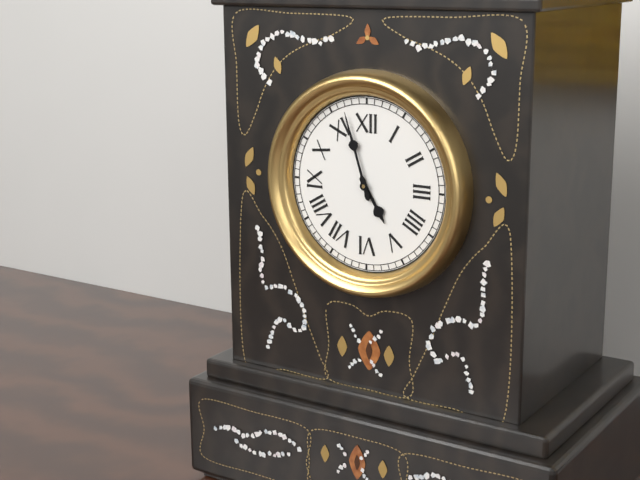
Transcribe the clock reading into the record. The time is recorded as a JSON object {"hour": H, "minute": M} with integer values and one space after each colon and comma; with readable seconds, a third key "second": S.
{"hour": 4, "minute": 57}
